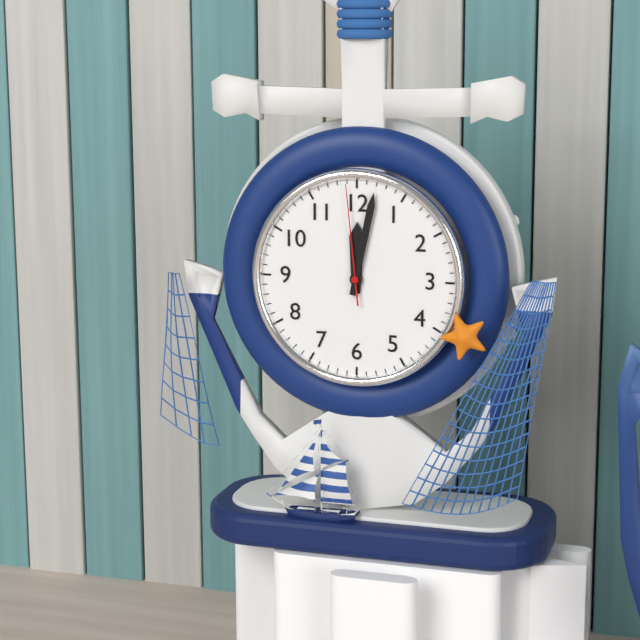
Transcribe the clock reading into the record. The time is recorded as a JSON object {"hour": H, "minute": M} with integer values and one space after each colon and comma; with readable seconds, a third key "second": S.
{"hour": 12, "minute": 2, "second": 59}
